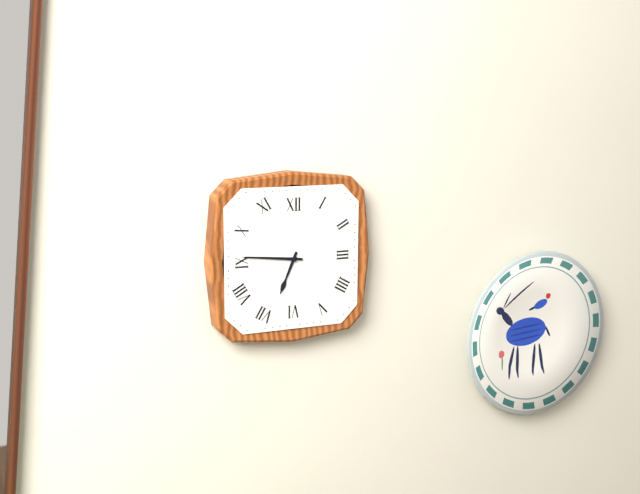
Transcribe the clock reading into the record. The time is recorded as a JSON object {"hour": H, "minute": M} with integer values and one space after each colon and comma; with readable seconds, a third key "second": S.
{"hour": 6, "minute": 46}
